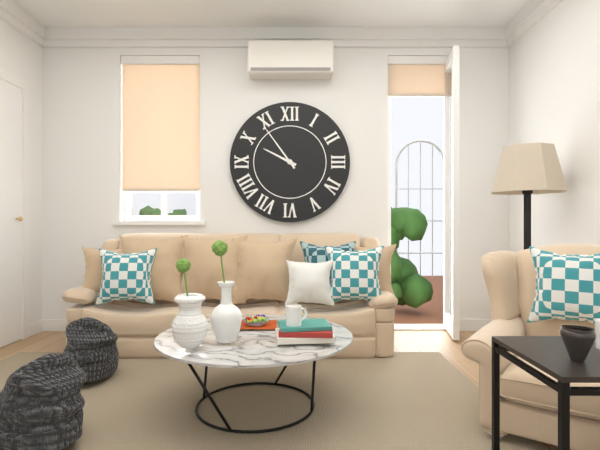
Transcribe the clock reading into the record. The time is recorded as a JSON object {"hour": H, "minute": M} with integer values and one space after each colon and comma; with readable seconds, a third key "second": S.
{"hour": 9, "minute": 54}
